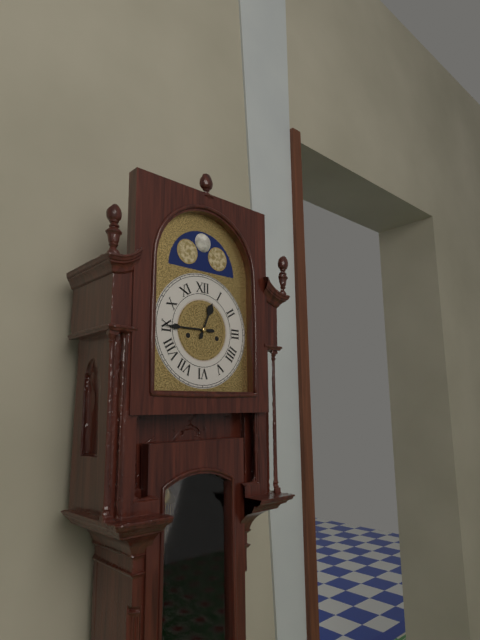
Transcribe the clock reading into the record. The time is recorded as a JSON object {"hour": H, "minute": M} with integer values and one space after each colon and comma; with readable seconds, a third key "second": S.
{"hour": 12, "minute": 45}
